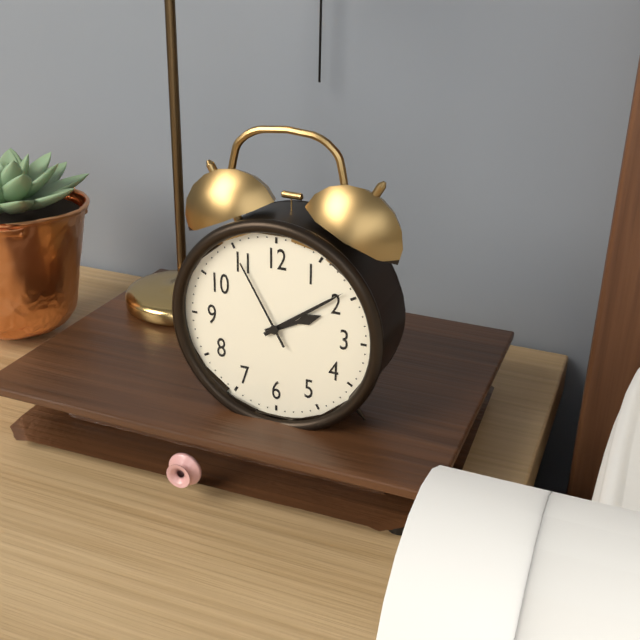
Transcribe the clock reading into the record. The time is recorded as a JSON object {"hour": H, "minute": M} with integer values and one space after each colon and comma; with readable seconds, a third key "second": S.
{"hour": 2, "minute": 9, "second": 55}
